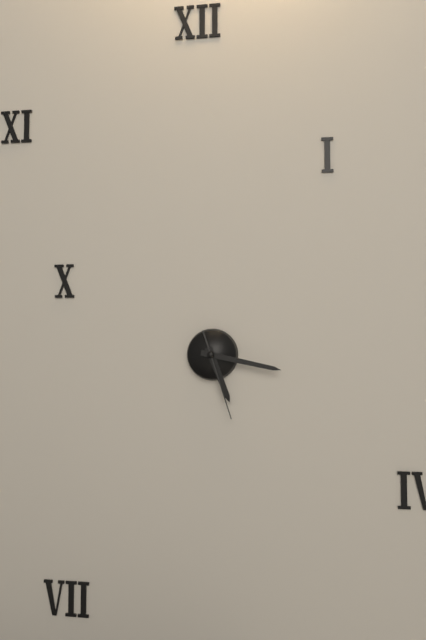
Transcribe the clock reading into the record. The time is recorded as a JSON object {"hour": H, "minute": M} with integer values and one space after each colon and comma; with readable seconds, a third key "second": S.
{"hour": 5, "minute": 17, "second": 27}
